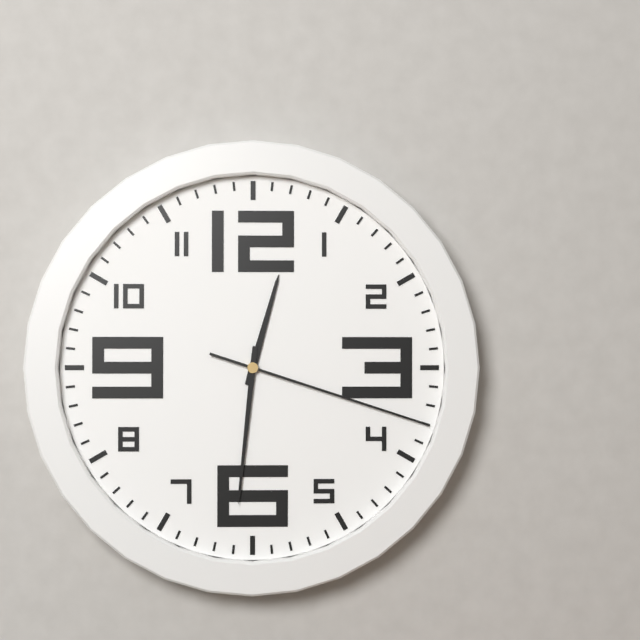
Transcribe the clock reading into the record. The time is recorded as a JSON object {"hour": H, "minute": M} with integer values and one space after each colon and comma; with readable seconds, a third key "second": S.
{"hour": 12, "minute": 31, "second": 18}
